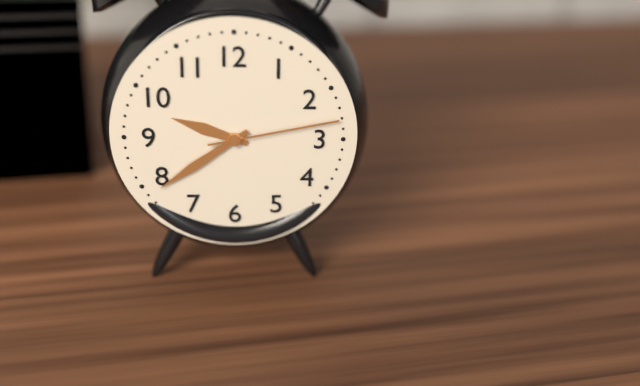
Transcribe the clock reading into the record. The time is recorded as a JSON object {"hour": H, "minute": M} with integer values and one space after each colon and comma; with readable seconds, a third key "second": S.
{"hour": 9, "minute": 39, "second": 13}
